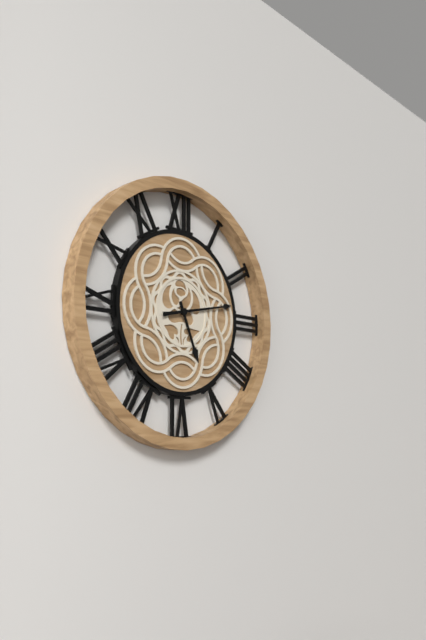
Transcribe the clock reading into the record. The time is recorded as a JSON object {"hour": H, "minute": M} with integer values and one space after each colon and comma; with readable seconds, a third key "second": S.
{"hour": 5, "minute": 13}
